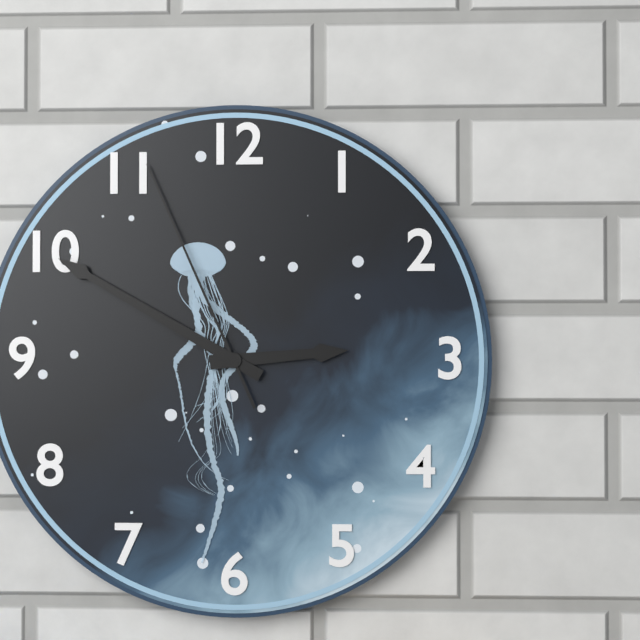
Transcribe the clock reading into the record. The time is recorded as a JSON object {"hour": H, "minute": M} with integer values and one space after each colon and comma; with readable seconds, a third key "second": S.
{"hour": 2, "minute": 50, "second": 56}
